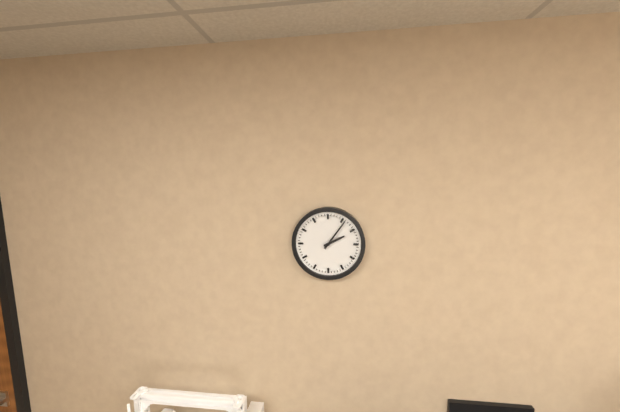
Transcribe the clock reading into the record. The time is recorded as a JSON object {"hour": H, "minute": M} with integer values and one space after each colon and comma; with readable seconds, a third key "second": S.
{"hour": 2, "minute": 6}
